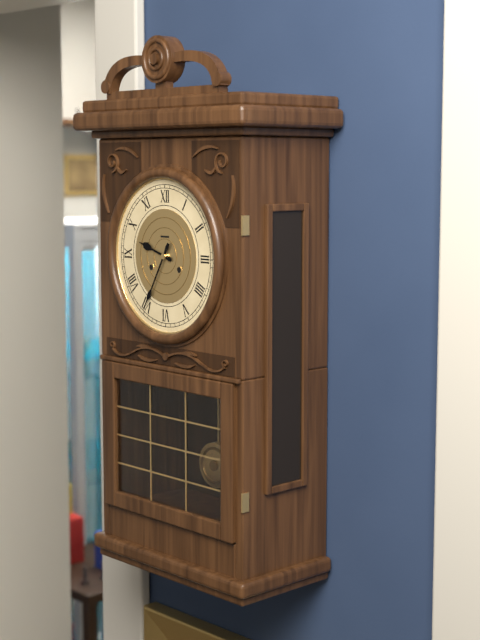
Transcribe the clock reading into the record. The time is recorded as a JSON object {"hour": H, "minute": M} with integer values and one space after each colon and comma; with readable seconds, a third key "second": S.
{"hour": 9, "minute": 35}
